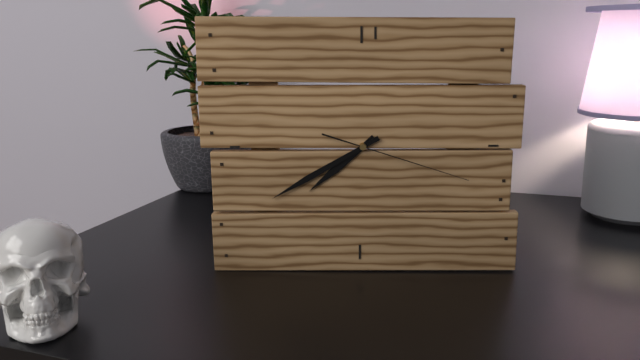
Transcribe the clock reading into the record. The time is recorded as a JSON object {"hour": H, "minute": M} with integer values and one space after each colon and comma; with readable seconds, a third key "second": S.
{"hour": 7, "minute": 40, "second": 18}
